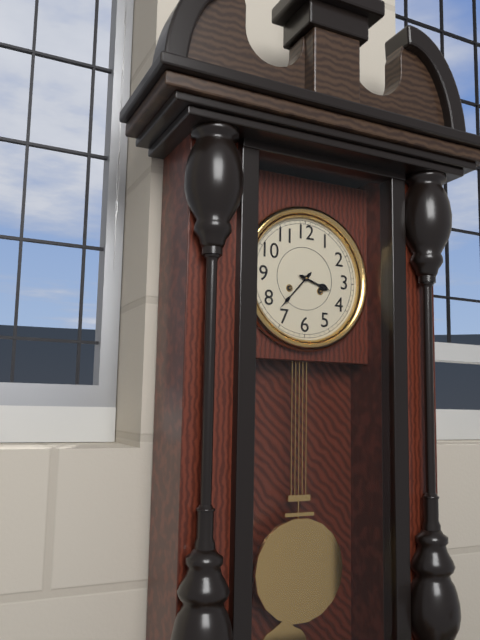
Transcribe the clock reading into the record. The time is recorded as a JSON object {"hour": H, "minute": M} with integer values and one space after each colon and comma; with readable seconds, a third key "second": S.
{"hour": 3, "minute": 37}
